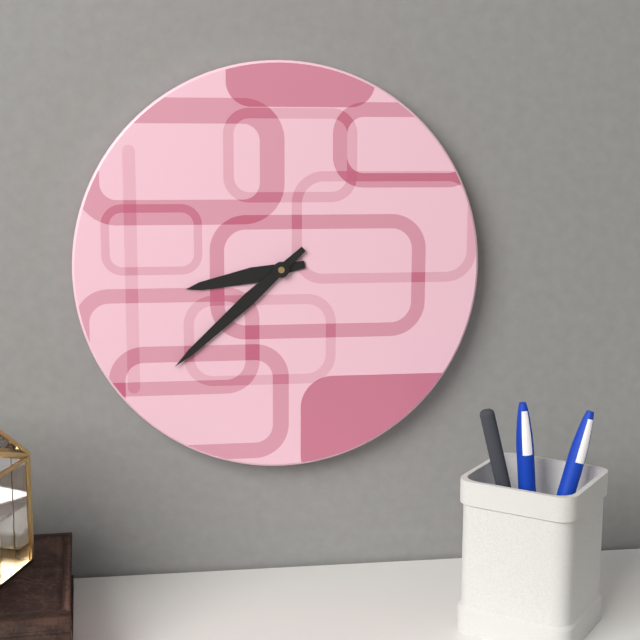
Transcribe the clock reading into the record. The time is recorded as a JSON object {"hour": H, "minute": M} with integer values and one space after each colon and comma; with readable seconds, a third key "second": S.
{"hour": 8, "minute": 38}
